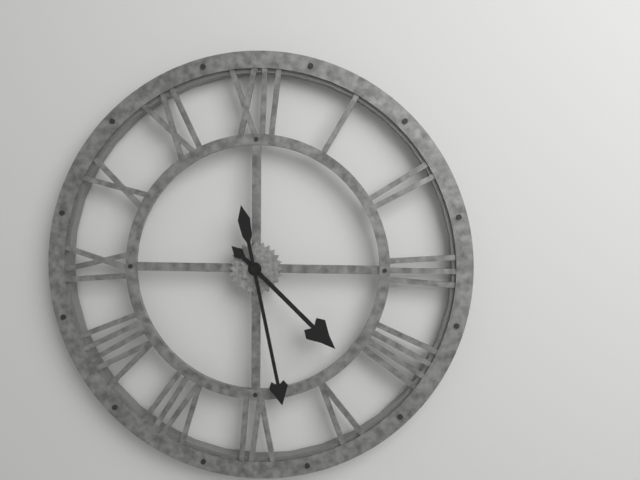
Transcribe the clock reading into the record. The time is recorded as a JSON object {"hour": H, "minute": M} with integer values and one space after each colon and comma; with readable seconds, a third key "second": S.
{"hour": 4, "minute": 28}
